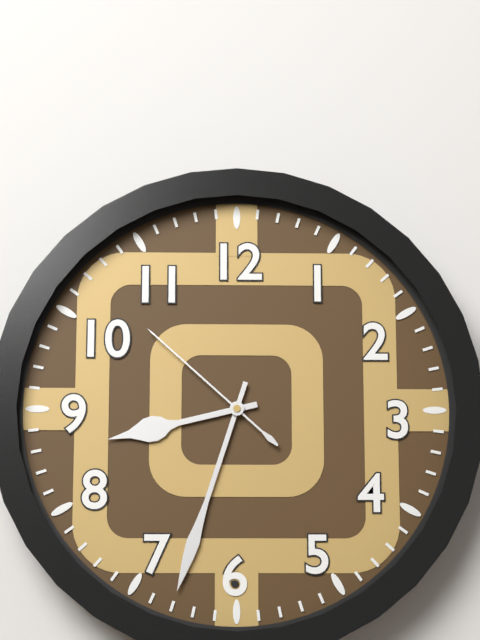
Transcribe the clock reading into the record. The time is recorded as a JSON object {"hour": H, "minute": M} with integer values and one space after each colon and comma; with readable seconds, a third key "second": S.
{"hour": 8, "minute": 33, "second": 52}
